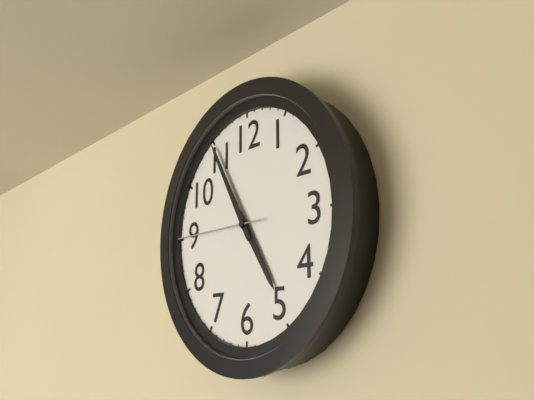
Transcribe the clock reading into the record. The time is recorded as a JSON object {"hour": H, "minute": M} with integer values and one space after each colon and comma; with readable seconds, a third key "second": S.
{"hour": 4, "minute": 55, "second": 45}
